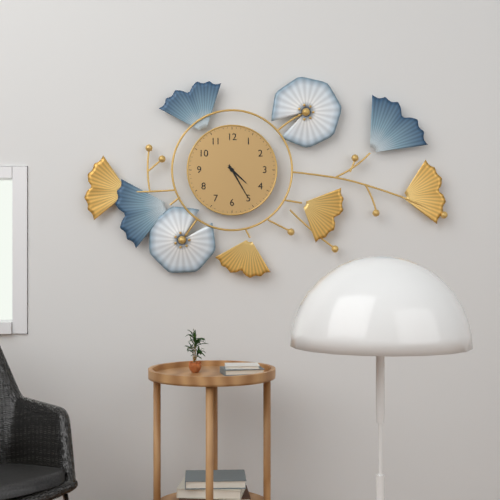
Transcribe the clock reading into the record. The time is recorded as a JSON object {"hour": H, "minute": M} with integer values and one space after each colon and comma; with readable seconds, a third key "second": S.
{"hour": 4, "minute": 25}
